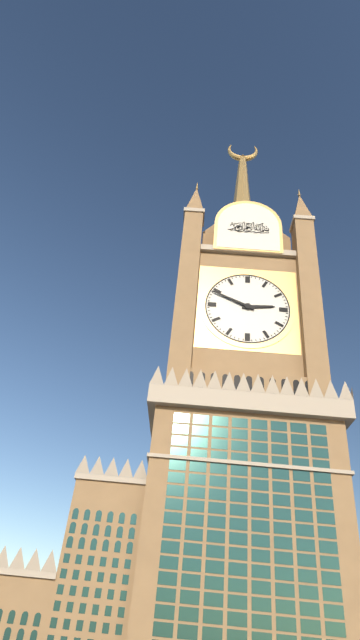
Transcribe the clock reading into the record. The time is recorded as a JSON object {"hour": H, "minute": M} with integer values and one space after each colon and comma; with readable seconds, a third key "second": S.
{"hour": 2, "minute": 49}
